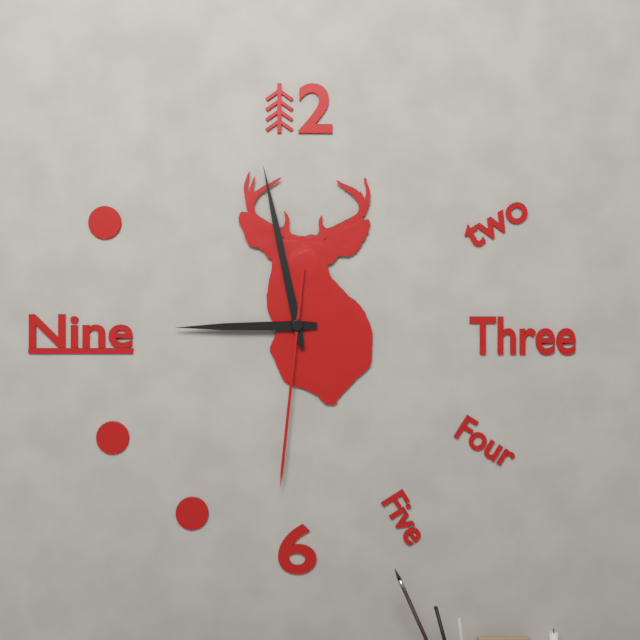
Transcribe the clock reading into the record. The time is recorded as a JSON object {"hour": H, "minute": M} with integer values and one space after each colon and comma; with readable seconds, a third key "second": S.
{"hour": 8, "minute": 58, "second": 31}
